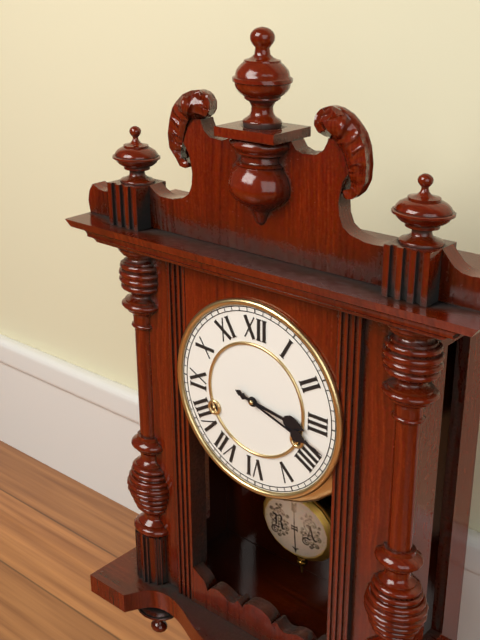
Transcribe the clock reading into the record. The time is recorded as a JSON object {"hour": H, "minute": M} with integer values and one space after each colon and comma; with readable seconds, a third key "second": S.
{"hour": 3, "minute": 18}
